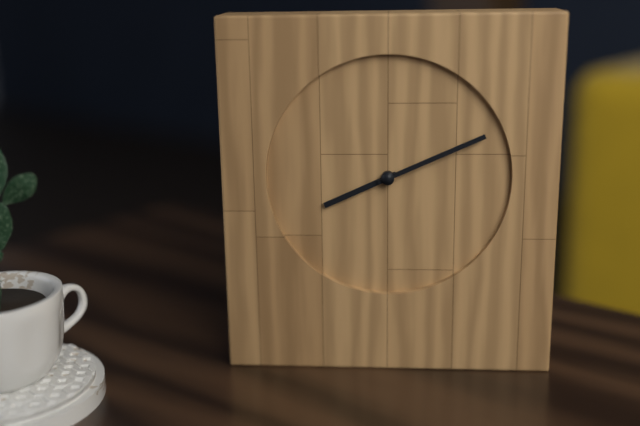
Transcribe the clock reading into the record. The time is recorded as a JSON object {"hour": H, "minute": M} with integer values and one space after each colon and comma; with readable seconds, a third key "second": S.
{"hour": 8, "minute": 11}
